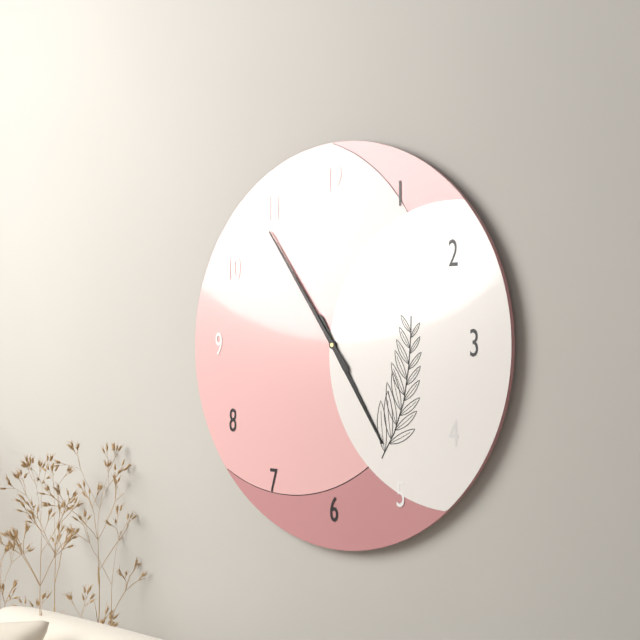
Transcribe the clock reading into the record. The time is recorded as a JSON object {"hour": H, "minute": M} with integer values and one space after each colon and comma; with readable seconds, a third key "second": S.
{"hour": 4, "minute": 54}
